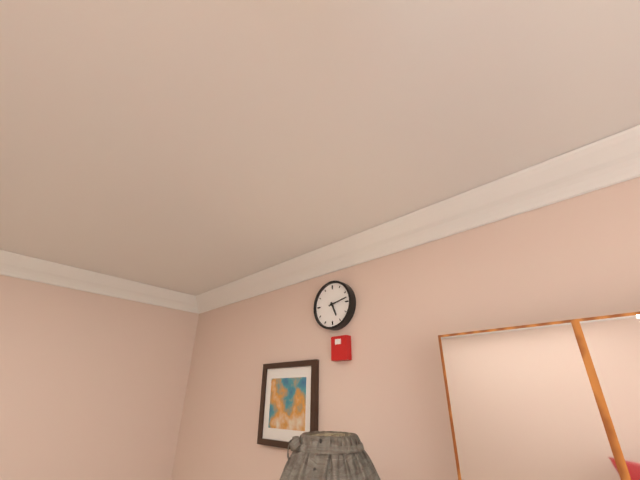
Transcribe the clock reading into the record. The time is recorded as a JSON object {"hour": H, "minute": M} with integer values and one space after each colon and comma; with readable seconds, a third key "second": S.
{"hour": 5, "minute": 13}
